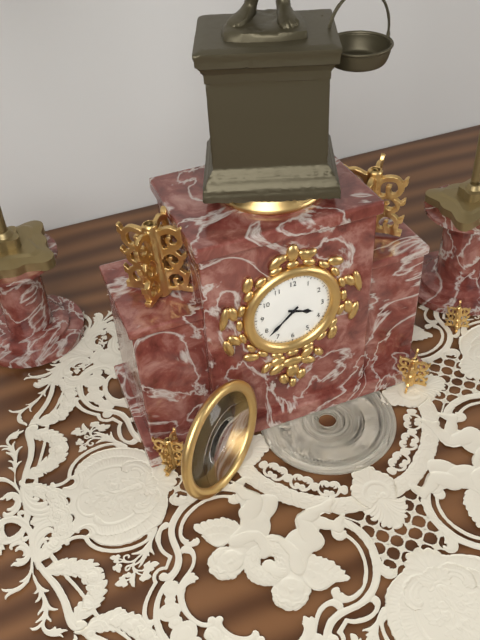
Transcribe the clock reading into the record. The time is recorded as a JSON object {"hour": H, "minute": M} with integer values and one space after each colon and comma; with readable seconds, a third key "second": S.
{"hour": 3, "minute": 38}
